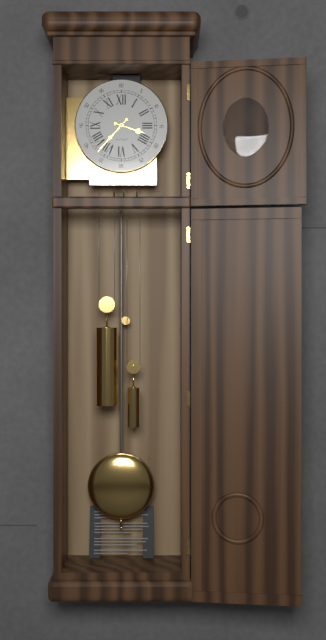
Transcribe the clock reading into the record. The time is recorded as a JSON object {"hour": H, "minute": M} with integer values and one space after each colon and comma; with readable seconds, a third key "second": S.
{"hour": 3, "minute": 37}
